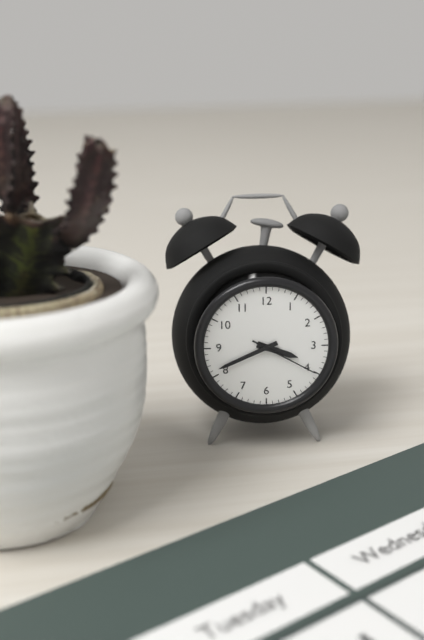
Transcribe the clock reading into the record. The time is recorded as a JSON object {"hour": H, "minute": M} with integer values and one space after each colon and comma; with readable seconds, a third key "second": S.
{"hour": 3, "minute": 41, "second": 20}
